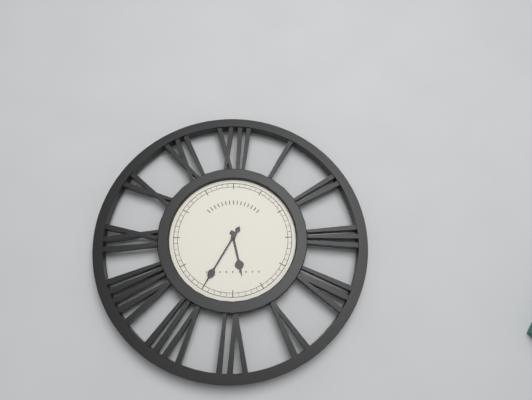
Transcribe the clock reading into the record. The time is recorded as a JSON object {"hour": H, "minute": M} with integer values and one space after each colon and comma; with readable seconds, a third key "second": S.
{"hour": 5, "minute": 35}
